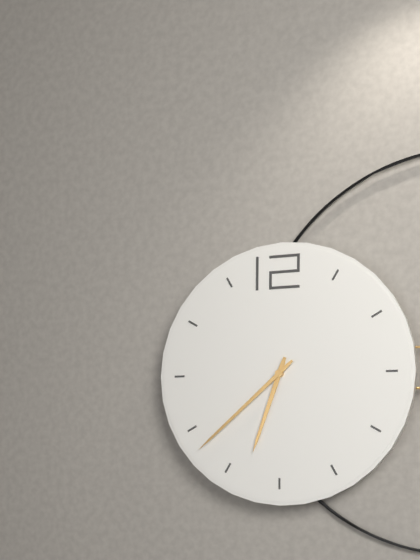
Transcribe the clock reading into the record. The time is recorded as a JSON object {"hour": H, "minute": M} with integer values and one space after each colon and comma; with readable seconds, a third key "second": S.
{"hour": 6, "minute": 38}
